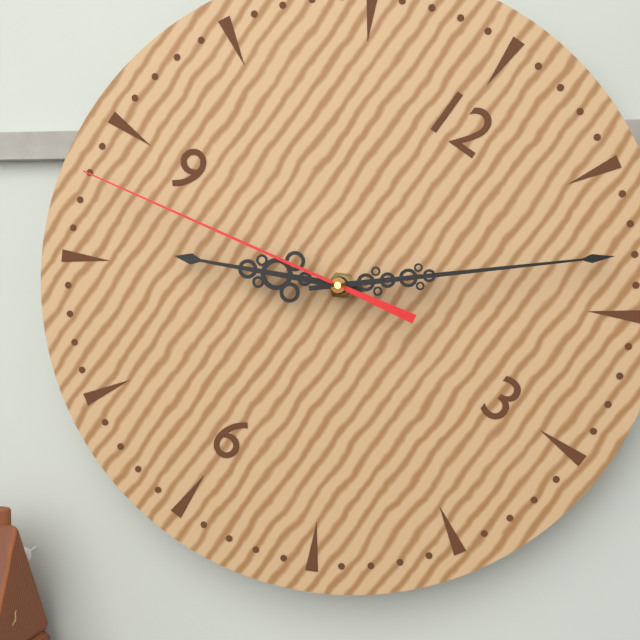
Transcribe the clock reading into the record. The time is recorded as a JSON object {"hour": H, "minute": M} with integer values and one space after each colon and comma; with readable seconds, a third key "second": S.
{"hour": 8, "minute": 8, "second": 43}
